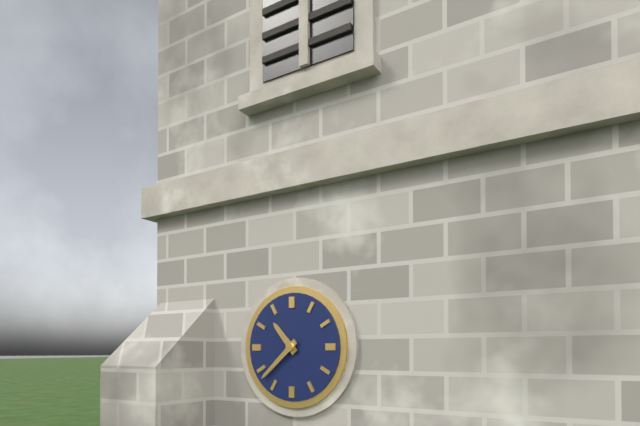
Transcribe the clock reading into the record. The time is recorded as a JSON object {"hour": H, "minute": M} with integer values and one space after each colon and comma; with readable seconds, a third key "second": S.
{"hour": 10, "minute": 38}
